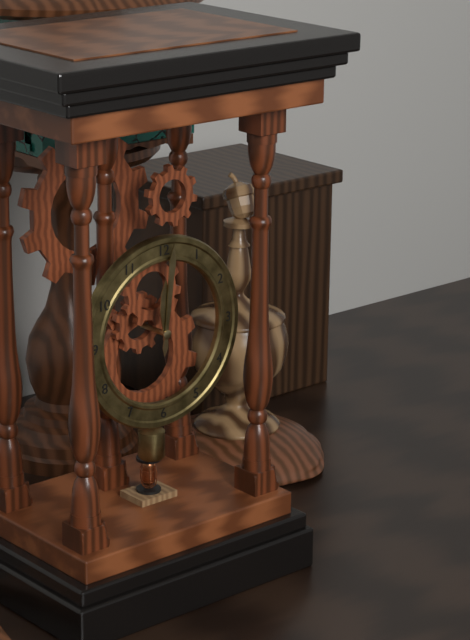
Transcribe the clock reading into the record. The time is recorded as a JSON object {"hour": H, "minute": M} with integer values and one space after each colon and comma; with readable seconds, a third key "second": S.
{"hour": 12, "minute": 1}
